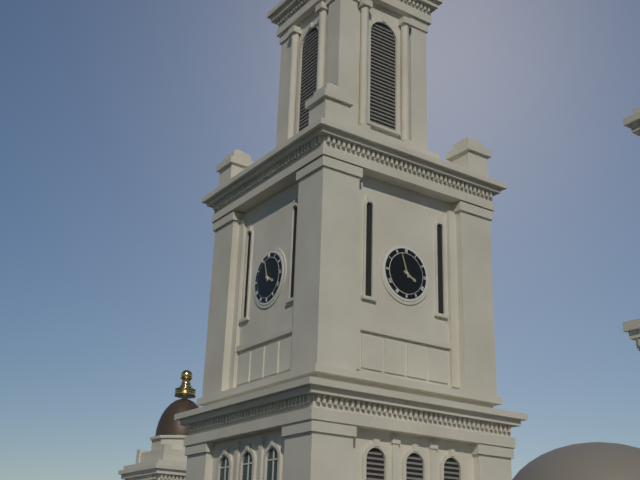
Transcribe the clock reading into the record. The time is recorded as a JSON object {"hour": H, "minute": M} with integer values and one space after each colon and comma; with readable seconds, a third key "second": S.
{"hour": 3, "minute": 57}
